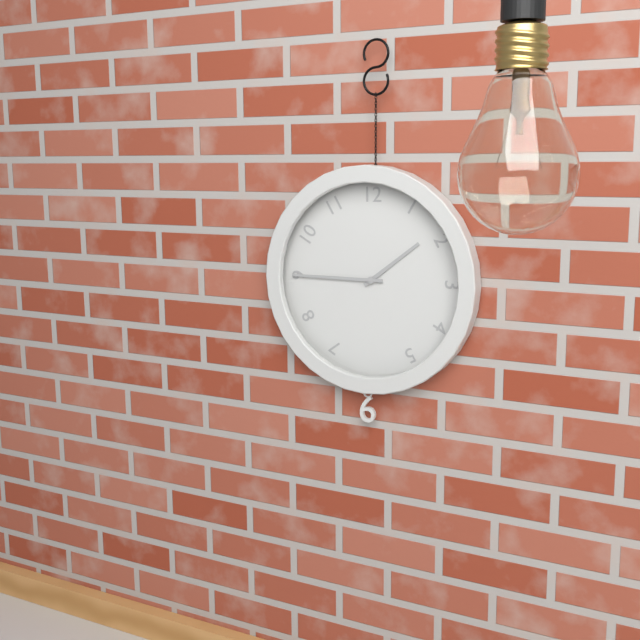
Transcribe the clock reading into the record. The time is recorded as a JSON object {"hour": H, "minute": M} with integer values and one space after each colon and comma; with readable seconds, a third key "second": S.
{"hour": 1, "minute": 45}
